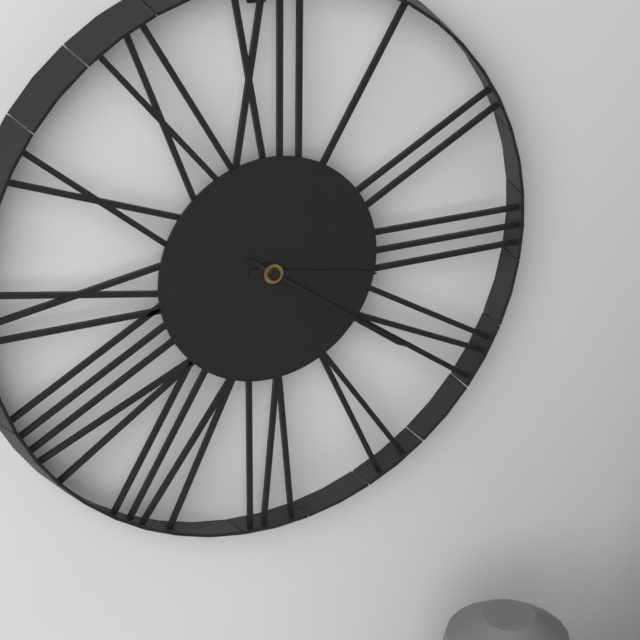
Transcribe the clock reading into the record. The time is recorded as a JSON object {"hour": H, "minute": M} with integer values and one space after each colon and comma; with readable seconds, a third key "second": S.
{"hour": 3, "minute": 21}
